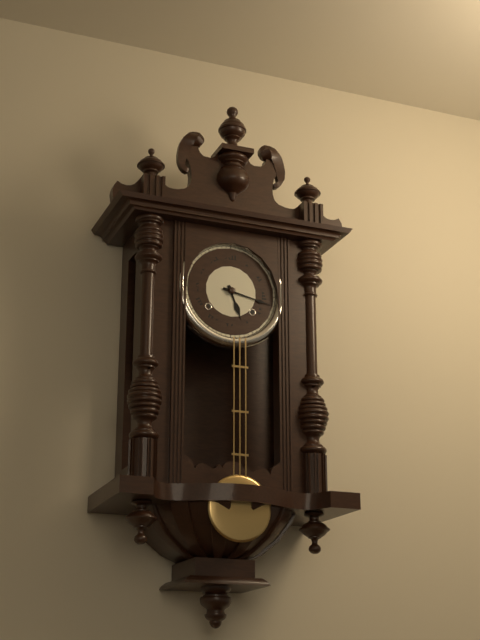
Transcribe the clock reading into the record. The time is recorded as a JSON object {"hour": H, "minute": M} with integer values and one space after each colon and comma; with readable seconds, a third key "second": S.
{"hour": 5, "minute": 17}
